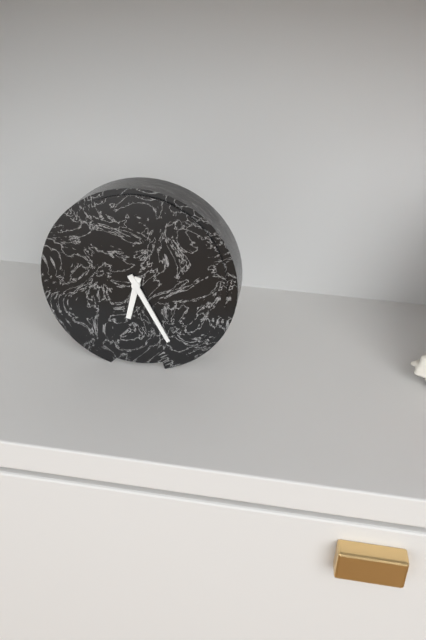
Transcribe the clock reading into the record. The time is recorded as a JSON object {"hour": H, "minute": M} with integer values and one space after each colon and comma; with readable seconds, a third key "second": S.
{"hour": 6, "minute": 25}
